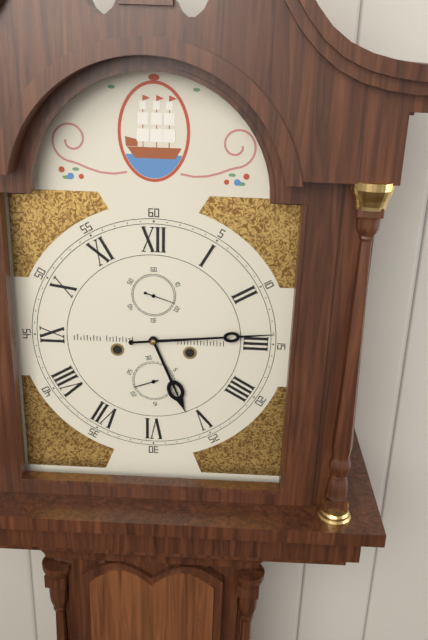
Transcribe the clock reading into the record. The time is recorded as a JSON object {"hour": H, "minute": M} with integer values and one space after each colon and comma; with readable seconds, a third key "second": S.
{"hour": 5, "minute": 14}
